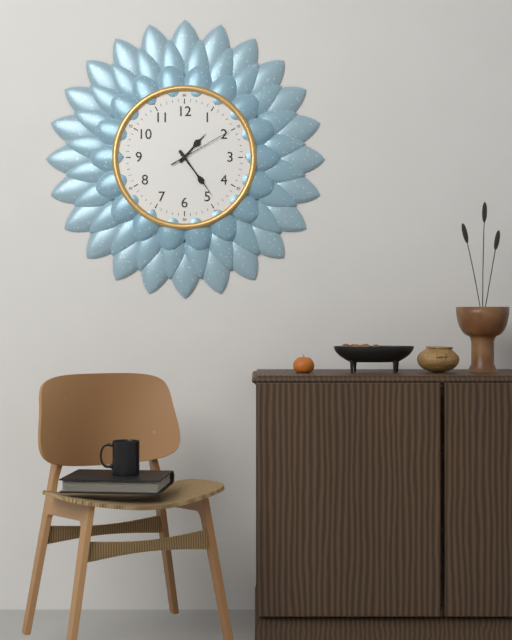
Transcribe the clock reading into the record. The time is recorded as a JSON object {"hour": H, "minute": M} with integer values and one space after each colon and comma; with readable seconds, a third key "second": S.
{"hour": 1, "minute": 24, "second": 10}
